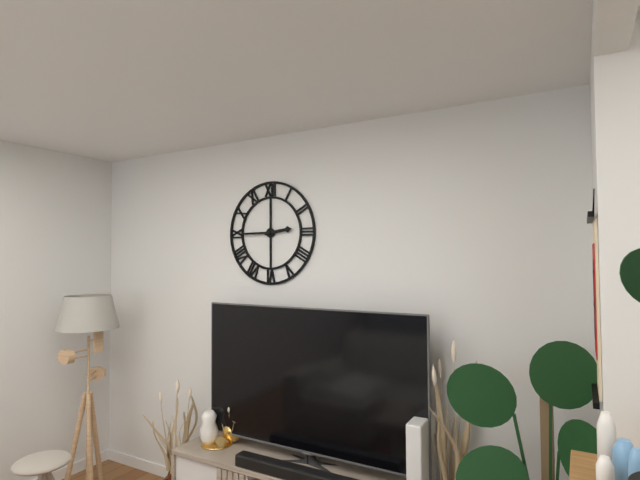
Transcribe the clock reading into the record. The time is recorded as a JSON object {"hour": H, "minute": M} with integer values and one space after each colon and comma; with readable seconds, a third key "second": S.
{"hour": 2, "minute": 45}
